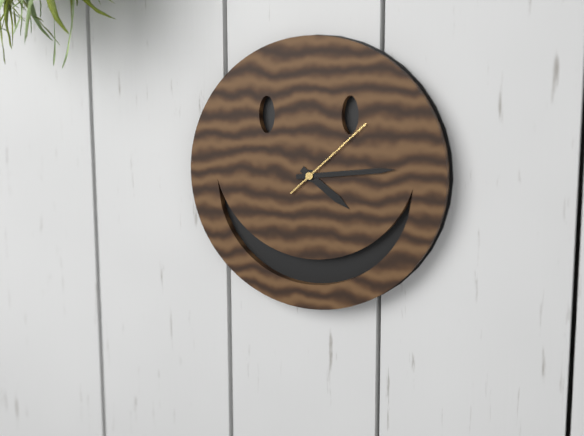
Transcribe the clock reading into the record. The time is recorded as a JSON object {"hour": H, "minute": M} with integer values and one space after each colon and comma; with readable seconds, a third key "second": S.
{"hour": 4, "minute": 14, "second": 8}
